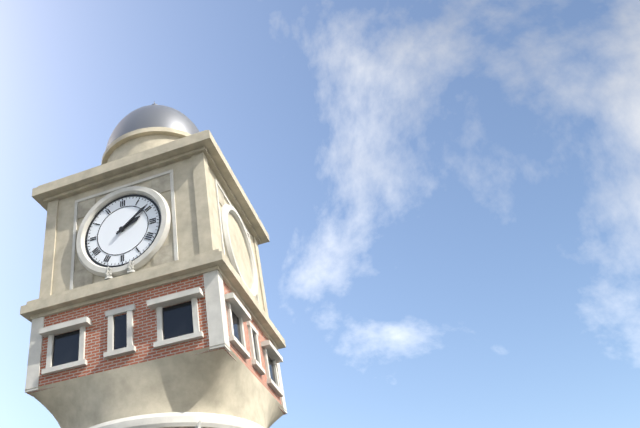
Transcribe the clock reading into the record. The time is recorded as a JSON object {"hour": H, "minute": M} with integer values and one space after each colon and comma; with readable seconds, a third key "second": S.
{"hour": 2, "minute": 9}
